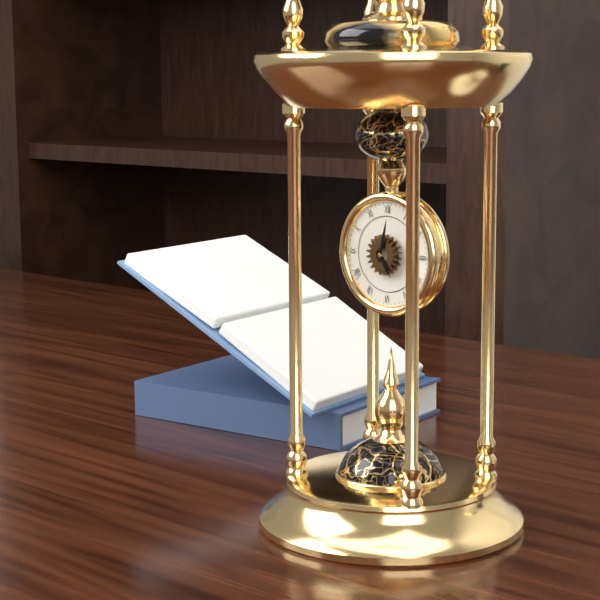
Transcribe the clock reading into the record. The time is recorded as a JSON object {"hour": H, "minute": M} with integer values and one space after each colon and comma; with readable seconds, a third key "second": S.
{"hour": 5, "minute": 2}
